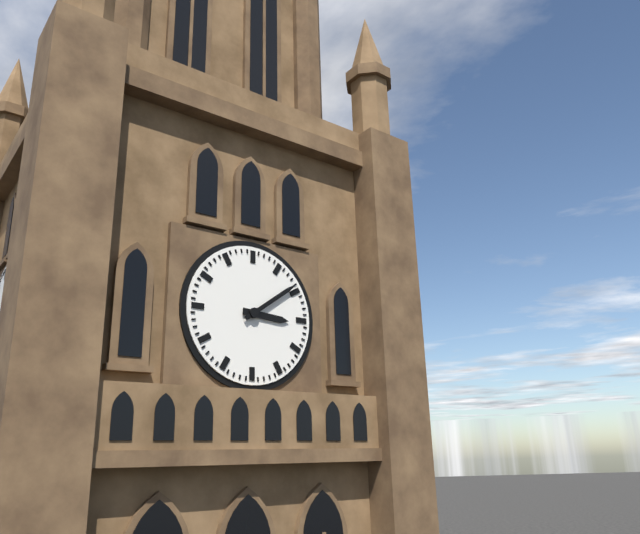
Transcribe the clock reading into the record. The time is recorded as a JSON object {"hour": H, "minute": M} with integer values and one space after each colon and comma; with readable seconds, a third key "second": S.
{"hour": 3, "minute": 9}
